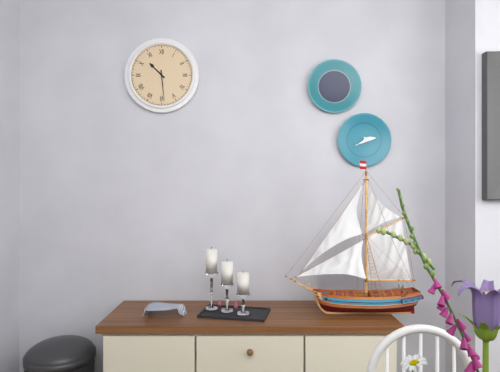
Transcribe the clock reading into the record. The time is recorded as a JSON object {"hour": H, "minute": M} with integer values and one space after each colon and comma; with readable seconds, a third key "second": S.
{"hour": 10, "minute": 29}
